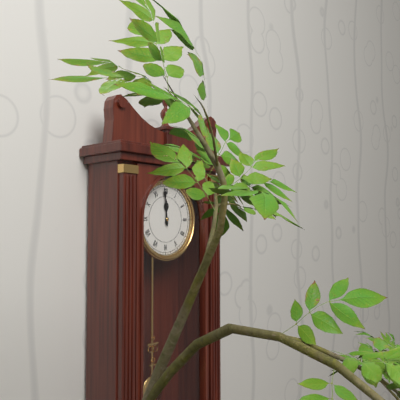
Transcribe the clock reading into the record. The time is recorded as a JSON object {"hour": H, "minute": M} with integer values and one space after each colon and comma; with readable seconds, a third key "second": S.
{"hour": 11, "minute": 59}
